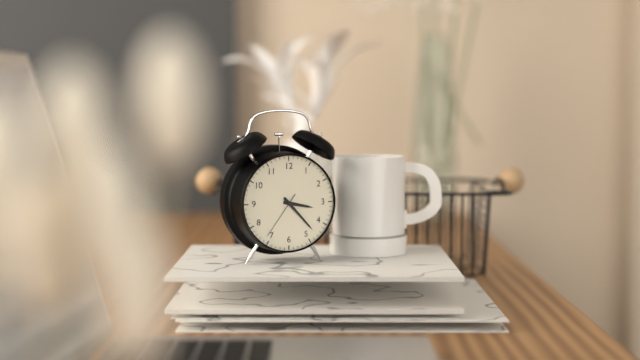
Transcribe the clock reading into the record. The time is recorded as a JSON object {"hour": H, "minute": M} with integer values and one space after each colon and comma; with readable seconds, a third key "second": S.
{"hour": 3, "minute": 23}
